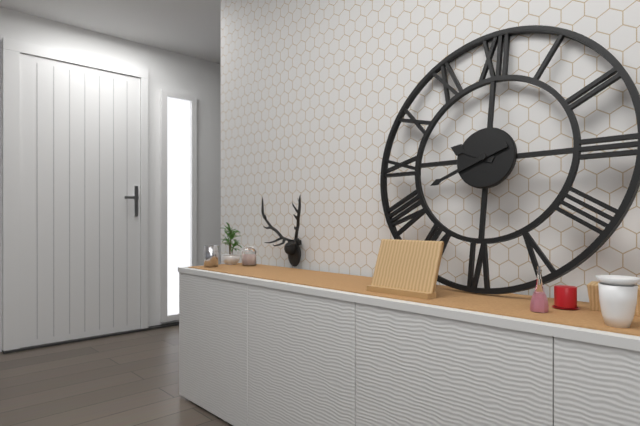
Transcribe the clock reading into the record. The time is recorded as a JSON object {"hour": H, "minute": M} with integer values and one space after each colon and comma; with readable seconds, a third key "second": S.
{"hour": 9, "minute": 41}
